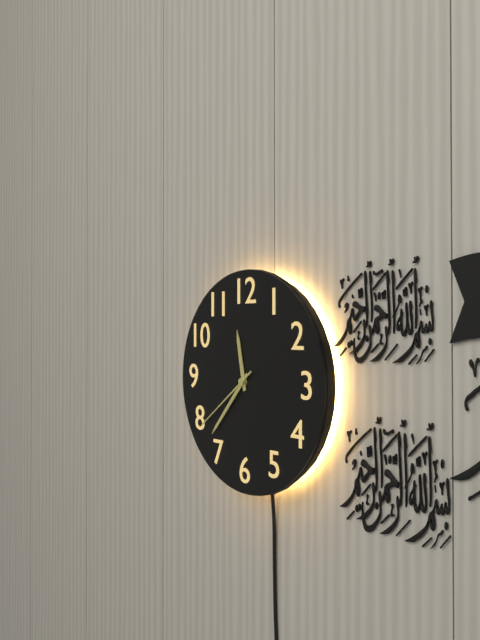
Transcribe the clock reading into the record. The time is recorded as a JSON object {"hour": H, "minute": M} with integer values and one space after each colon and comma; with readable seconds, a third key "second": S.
{"hour": 11, "minute": 37, "second": 39}
